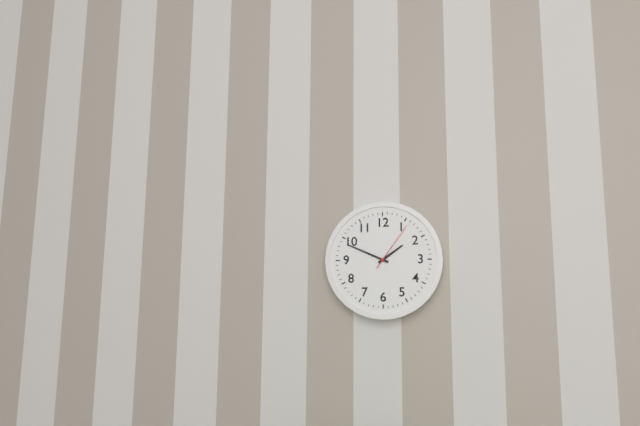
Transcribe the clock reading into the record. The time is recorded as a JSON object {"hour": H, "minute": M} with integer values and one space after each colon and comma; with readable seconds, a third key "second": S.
{"hour": 1, "minute": 49, "second": 6}
